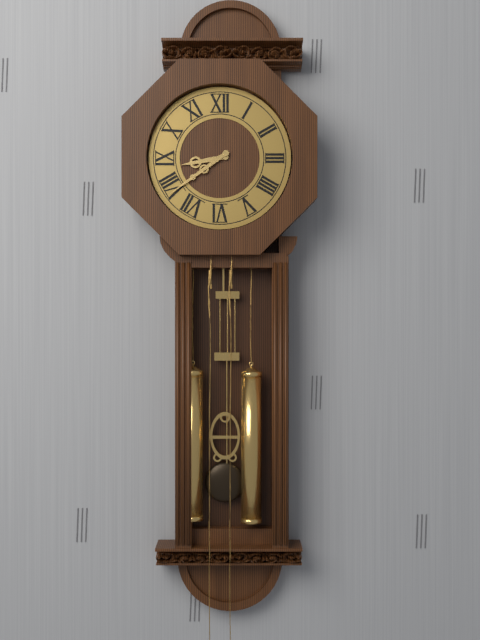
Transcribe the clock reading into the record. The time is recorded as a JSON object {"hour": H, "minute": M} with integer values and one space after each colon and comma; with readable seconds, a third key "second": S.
{"hour": 8, "minute": 39}
